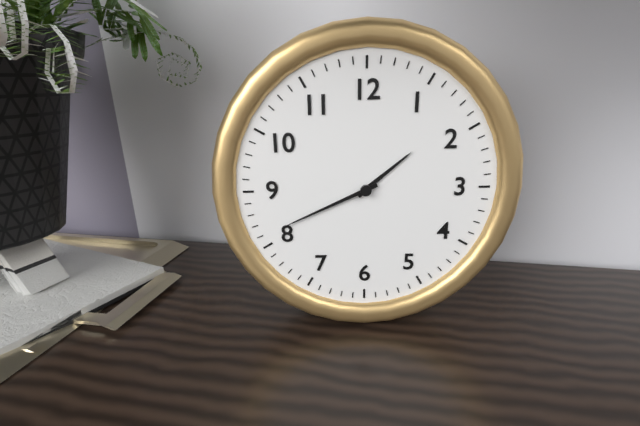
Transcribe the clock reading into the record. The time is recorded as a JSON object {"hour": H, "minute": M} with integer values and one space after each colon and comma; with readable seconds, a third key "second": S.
{"hour": 1, "minute": 41}
